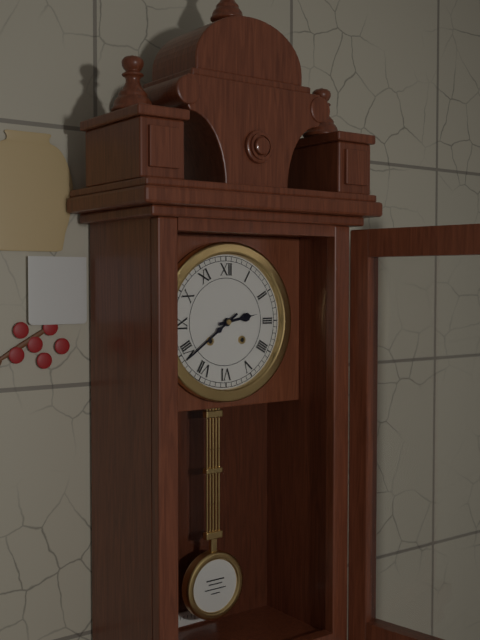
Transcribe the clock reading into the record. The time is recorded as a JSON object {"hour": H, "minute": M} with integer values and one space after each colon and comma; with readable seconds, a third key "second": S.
{"hour": 2, "minute": 39}
